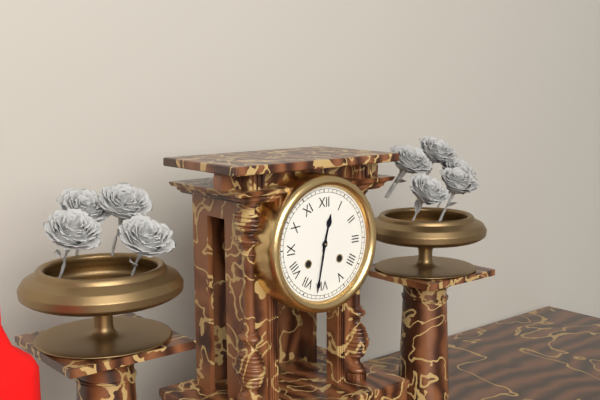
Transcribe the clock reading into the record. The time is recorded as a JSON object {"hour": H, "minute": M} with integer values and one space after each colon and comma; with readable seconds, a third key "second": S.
{"hour": 12, "minute": 32}
